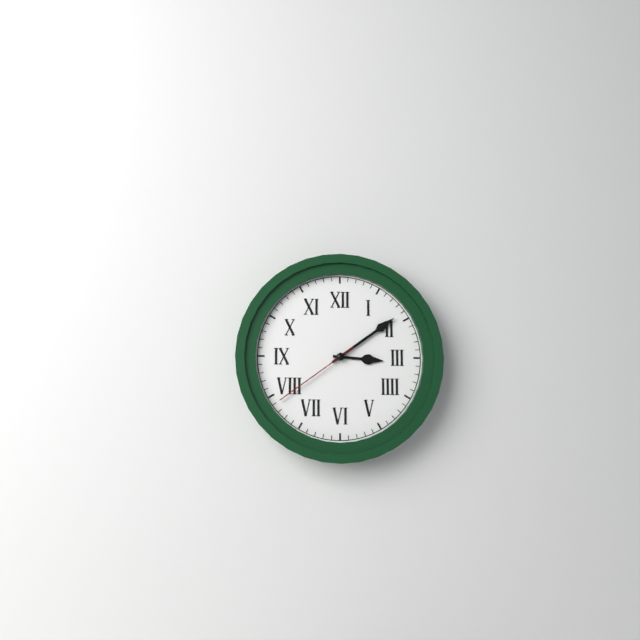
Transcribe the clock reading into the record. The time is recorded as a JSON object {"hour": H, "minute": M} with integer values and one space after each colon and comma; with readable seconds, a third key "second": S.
{"hour": 3, "minute": 9, "second": 39}
